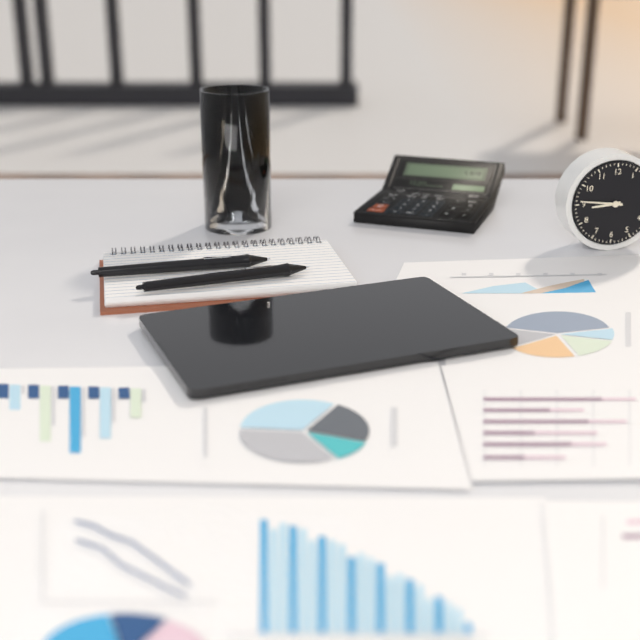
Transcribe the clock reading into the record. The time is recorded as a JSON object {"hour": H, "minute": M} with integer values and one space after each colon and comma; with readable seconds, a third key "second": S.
{"hour": 8, "minute": 46}
